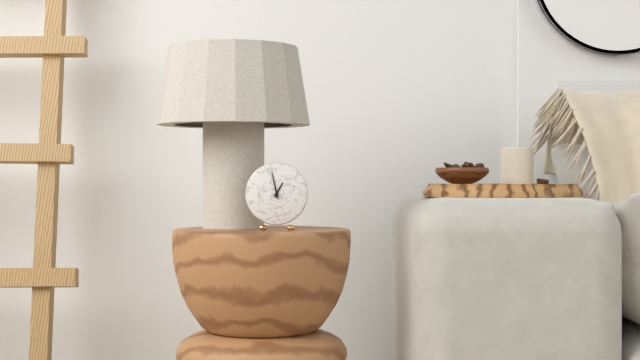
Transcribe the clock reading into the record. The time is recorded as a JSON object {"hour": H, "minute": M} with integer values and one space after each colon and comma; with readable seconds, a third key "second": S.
{"hour": 12, "minute": 58}
